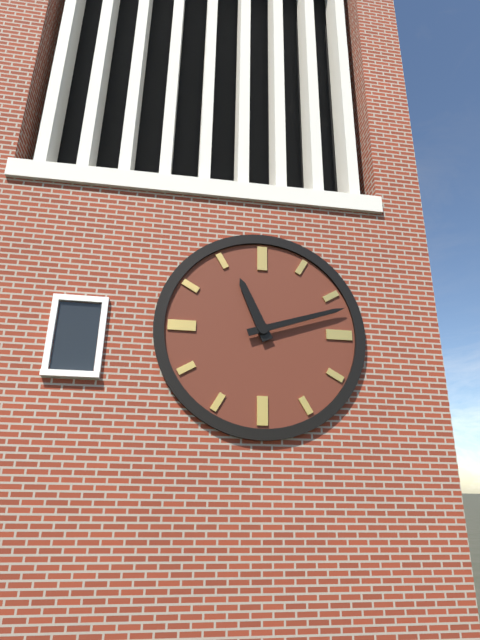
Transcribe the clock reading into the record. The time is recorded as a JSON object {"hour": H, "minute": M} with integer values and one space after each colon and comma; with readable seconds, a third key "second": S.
{"hour": 11, "minute": 12}
